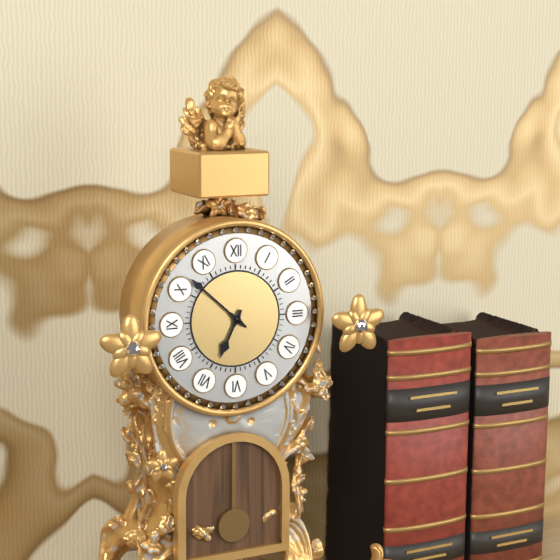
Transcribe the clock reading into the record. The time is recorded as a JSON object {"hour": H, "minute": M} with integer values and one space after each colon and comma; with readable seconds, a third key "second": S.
{"hour": 6, "minute": 52}
